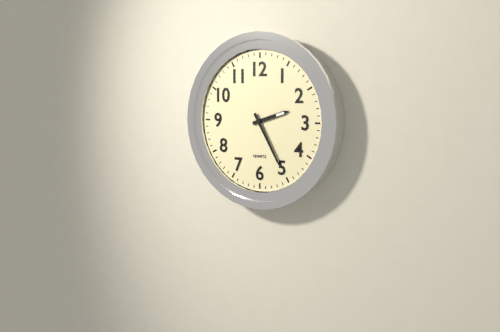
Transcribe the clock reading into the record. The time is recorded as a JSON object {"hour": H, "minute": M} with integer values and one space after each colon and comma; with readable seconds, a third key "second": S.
{"hour": 2, "minute": 25}
